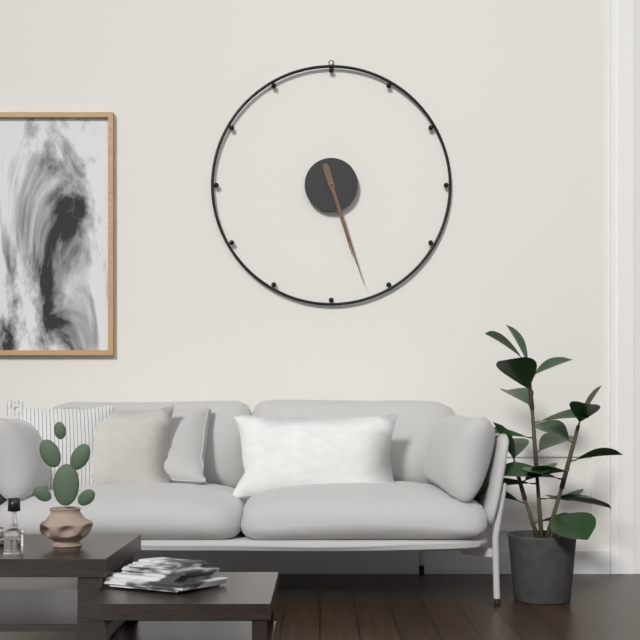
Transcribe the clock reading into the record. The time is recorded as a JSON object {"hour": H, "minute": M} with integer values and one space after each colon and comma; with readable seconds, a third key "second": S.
{"hour": 5, "minute": 27}
